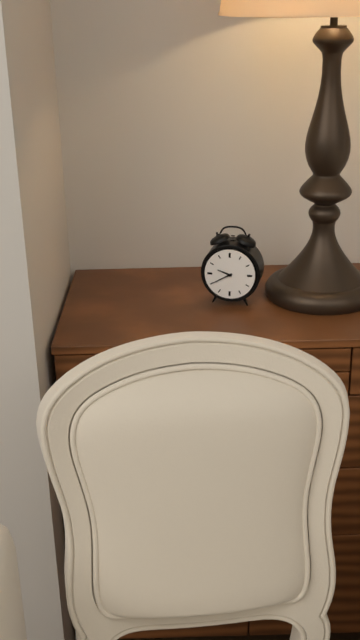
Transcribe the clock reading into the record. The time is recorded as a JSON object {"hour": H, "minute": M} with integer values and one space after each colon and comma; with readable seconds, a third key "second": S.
{"hour": 9, "minute": 40}
